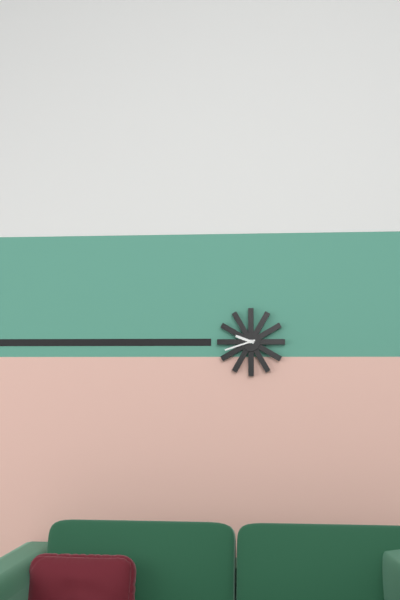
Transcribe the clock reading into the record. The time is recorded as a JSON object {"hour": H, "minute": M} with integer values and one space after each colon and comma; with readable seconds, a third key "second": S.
{"hour": 9, "minute": 42}
